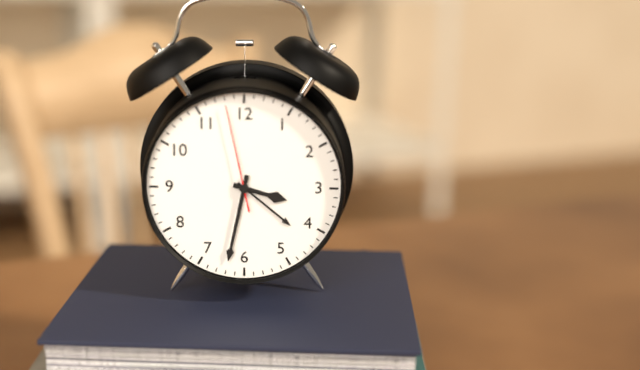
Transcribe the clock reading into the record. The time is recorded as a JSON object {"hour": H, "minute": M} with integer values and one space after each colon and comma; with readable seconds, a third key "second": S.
{"hour": 3, "minute": 32, "second": 58}
